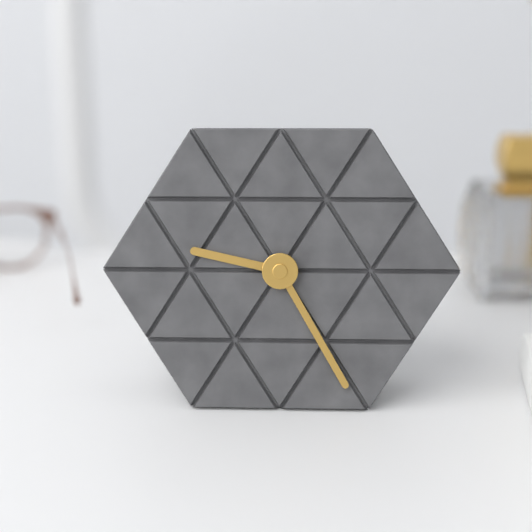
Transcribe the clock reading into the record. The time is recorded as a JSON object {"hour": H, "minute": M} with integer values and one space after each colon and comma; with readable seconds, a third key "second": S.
{"hour": 9, "minute": 25}
